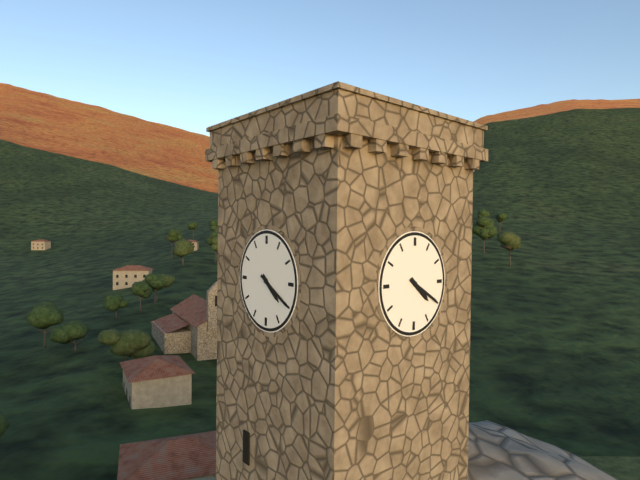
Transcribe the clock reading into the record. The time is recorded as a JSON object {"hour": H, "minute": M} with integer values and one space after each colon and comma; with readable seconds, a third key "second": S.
{"hour": 4, "minute": 20}
